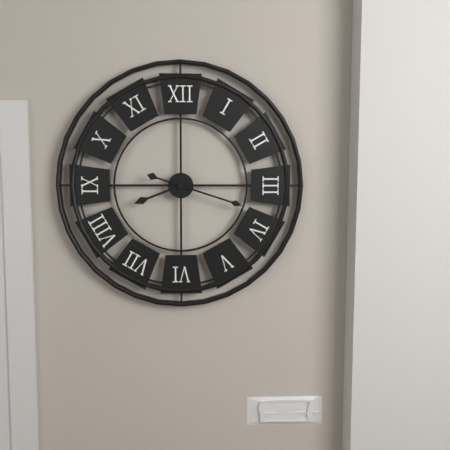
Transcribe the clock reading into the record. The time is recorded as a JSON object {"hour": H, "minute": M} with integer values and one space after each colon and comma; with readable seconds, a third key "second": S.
{"hour": 8, "minute": 18}
